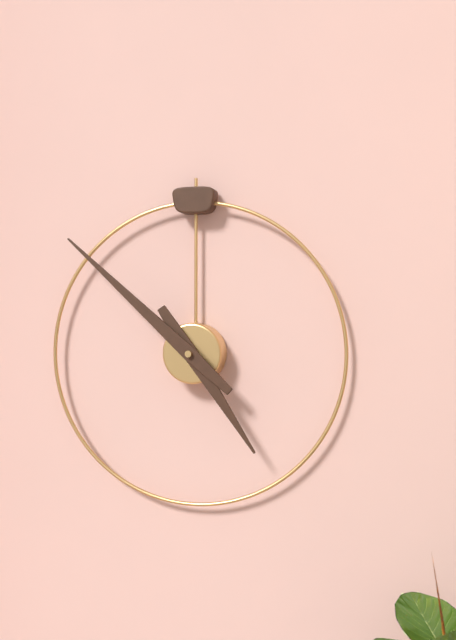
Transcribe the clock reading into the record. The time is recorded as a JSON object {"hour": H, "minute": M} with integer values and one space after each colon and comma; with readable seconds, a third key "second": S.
{"hour": 4, "minute": 52}
